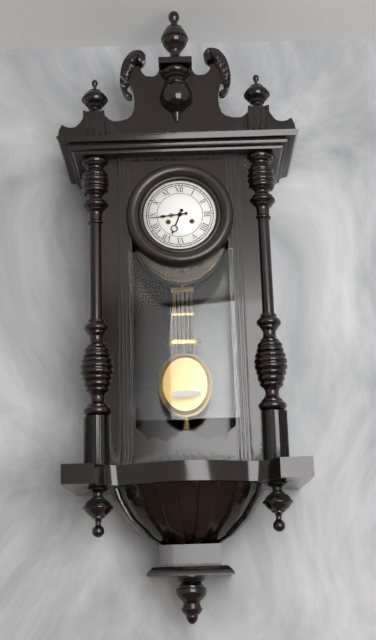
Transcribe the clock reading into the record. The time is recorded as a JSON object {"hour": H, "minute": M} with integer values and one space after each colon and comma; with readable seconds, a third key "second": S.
{"hour": 6, "minute": 44}
